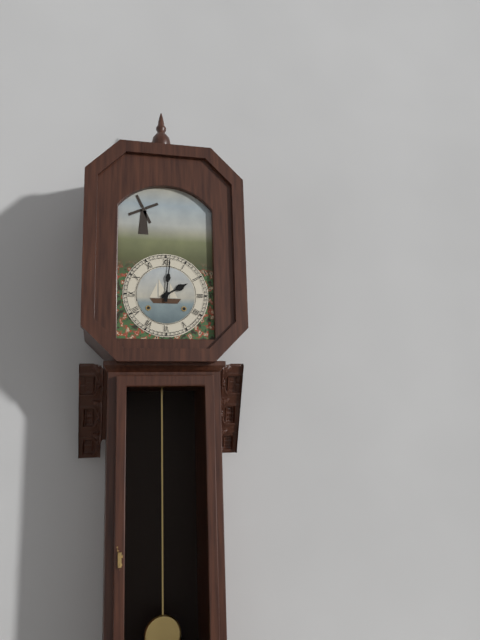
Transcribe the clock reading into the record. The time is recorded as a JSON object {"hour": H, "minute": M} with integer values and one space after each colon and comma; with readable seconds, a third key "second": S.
{"hour": 2, "minute": 1}
